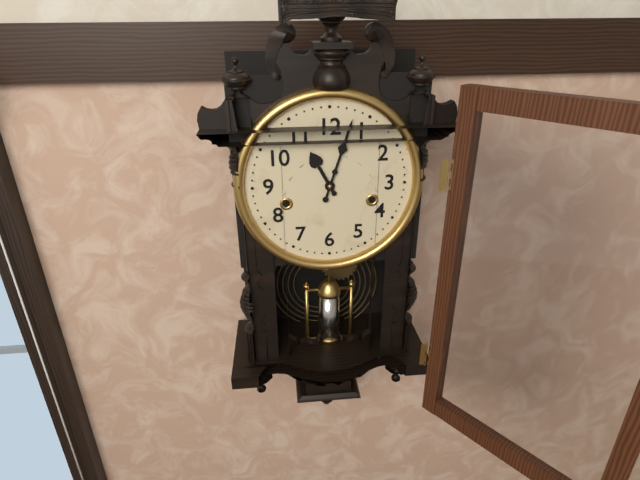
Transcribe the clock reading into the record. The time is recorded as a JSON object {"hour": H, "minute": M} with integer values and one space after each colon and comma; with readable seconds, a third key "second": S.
{"hour": 11, "minute": 3}
